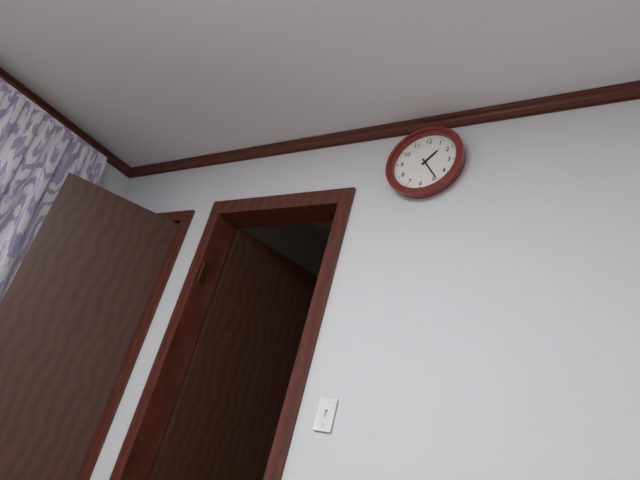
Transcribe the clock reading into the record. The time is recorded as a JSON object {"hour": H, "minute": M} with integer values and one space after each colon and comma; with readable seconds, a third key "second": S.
{"hour": 1, "minute": 24}
